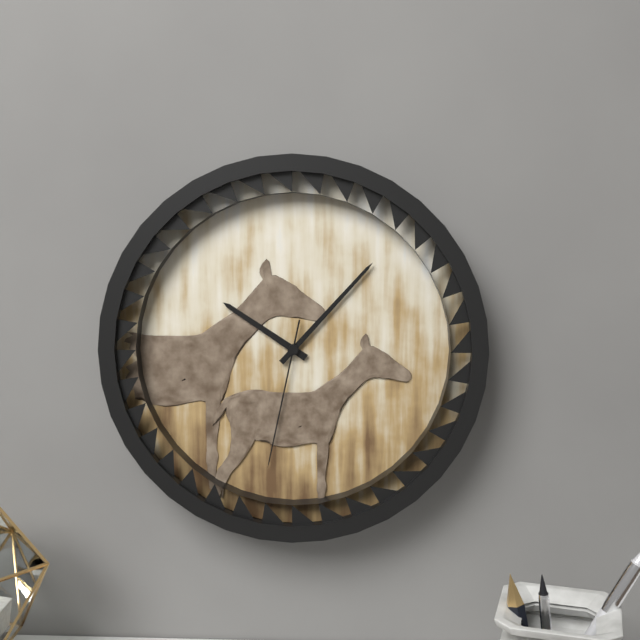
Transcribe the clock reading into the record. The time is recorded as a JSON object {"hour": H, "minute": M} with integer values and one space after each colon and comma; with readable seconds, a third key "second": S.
{"hour": 10, "minute": 7, "second": 32}
